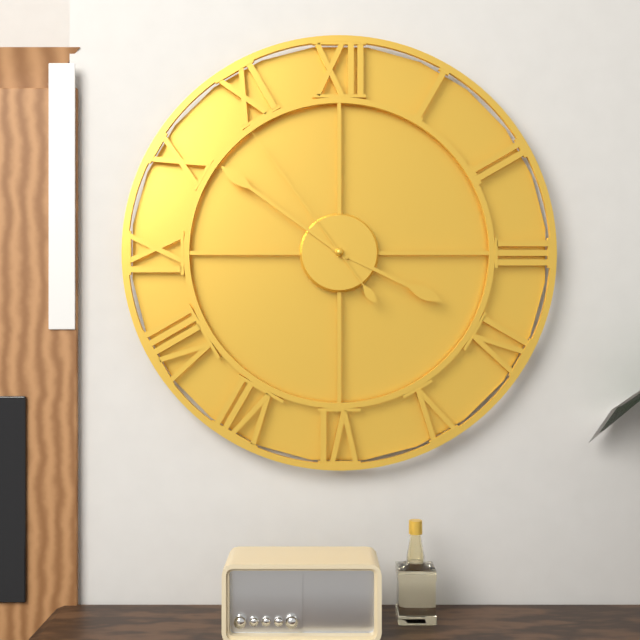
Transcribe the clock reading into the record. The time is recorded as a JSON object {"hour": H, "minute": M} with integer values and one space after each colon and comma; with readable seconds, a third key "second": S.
{"hour": 3, "minute": 51, "second": 54}
